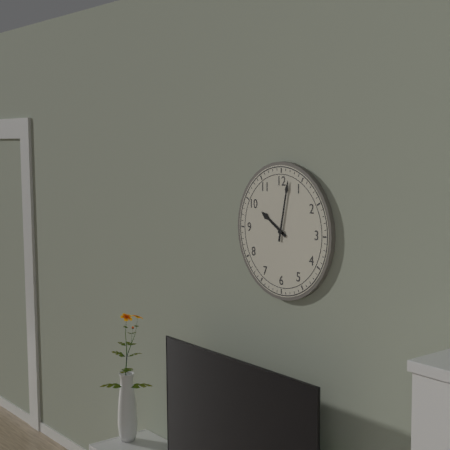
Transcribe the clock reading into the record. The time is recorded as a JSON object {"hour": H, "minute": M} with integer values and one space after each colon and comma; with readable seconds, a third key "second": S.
{"hour": 10, "minute": 2}
